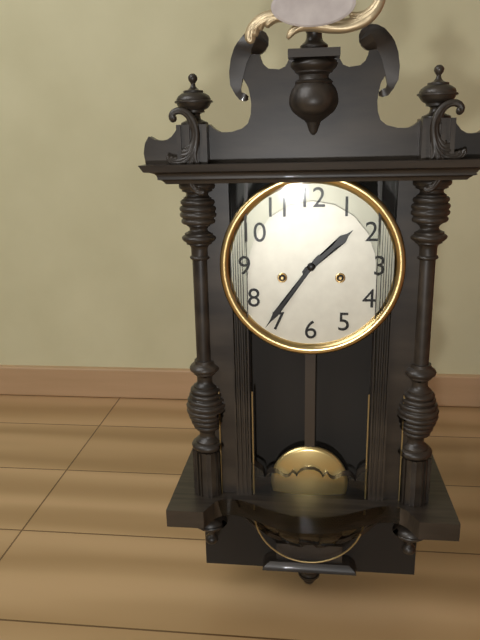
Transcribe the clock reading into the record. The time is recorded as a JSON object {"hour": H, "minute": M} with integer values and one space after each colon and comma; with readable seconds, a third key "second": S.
{"hour": 1, "minute": 36}
